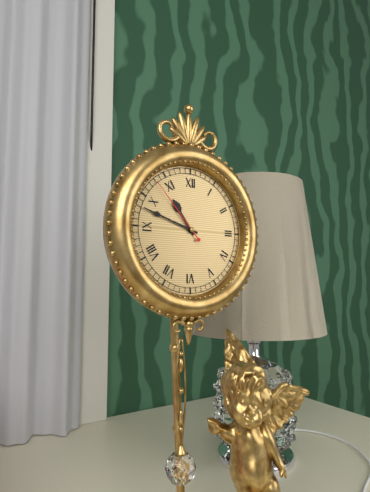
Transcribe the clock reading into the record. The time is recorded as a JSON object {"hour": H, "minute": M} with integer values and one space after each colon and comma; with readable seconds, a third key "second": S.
{"hour": 10, "minute": 48, "second": 53}
